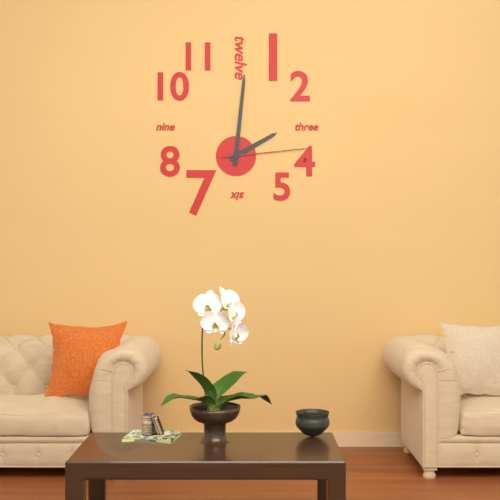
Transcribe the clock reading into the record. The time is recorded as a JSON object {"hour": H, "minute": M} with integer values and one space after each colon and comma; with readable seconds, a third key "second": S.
{"hour": 2, "minute": 1, "second": 14}
